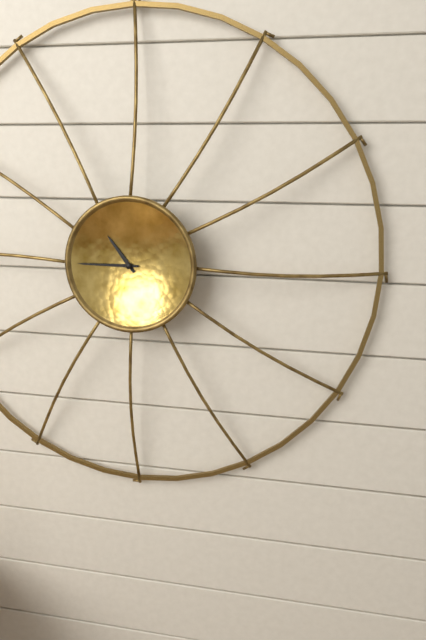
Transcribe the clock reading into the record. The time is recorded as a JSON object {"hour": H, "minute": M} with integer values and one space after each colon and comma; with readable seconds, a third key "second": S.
{"hour": 10, "minute": 45}
